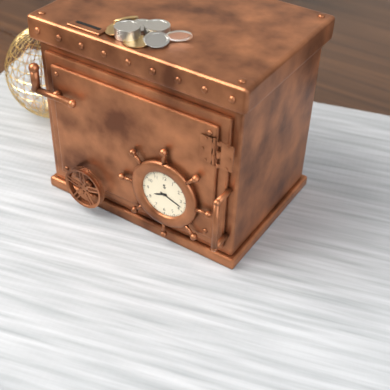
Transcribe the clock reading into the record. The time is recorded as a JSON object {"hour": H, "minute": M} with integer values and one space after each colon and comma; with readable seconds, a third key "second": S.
{"hour": 8, "minute": 18}
